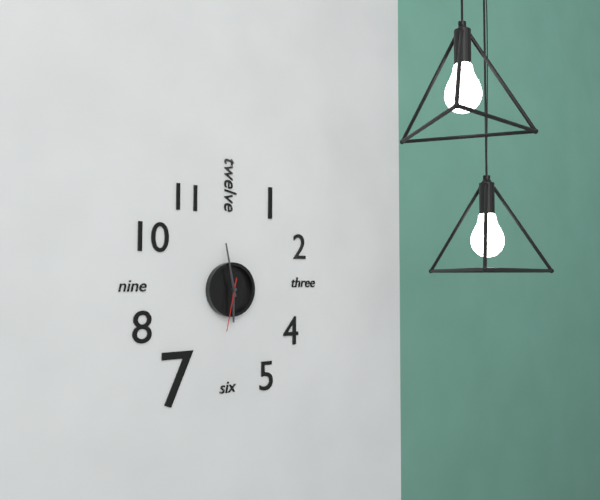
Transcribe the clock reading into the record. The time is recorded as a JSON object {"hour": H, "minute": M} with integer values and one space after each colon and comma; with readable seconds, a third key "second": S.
{"hour": 5, "minute": 58, "second": 32}
